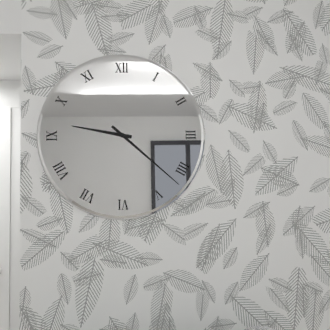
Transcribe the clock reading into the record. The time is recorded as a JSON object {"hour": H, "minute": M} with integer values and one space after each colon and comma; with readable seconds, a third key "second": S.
{"hour": 9, "minute": 22}
